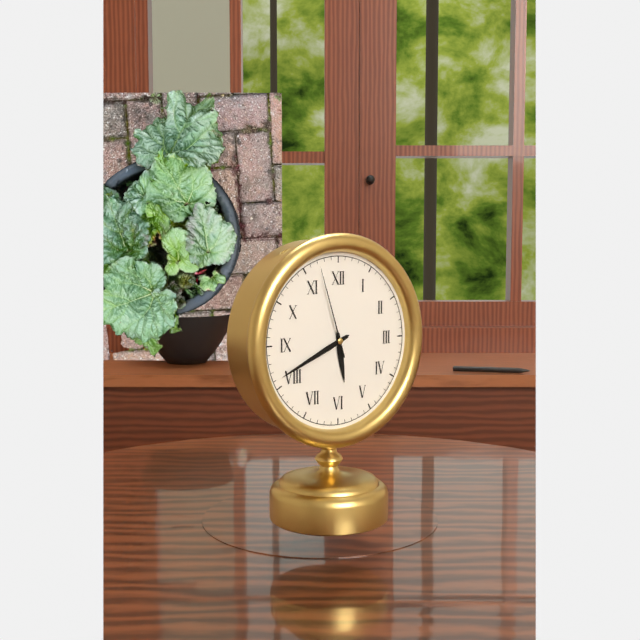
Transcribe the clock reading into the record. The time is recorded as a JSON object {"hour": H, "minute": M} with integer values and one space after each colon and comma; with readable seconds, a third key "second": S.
{"hour": 5, "minute": 41, "second": 57}
